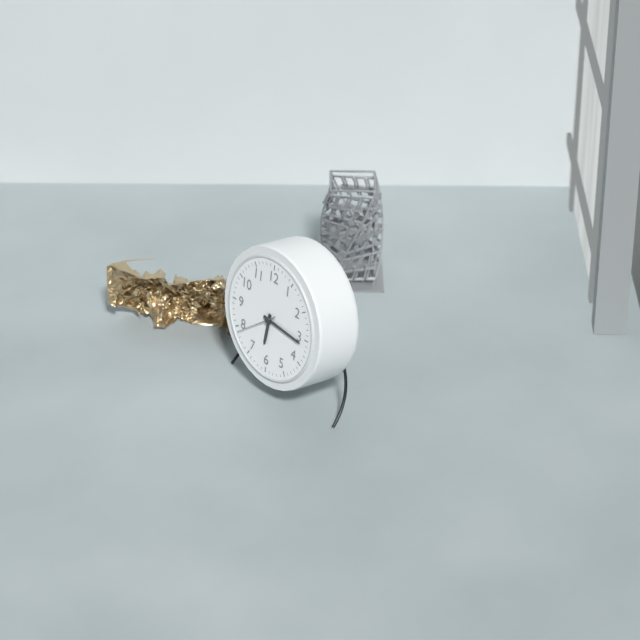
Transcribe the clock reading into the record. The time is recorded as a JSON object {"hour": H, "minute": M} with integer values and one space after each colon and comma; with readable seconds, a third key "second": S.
{"hour": 6, "minute": 16}
